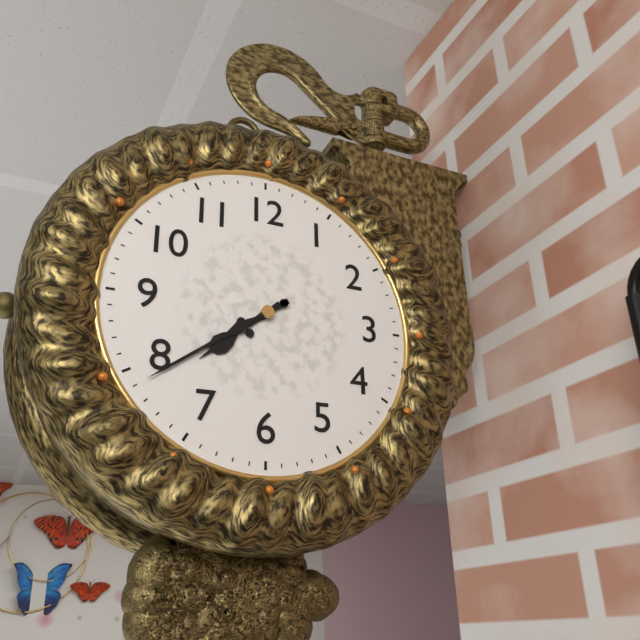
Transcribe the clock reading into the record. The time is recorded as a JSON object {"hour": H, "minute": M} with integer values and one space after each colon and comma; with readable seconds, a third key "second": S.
{"hour": 7, "minute": 39}
